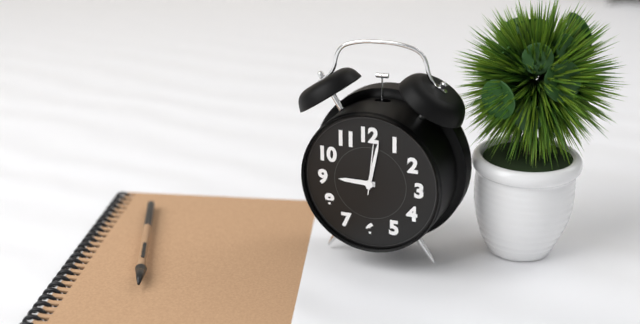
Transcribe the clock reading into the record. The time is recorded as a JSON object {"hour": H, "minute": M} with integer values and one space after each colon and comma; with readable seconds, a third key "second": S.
{"hour": 9, "minute": 2, "second": 1}
